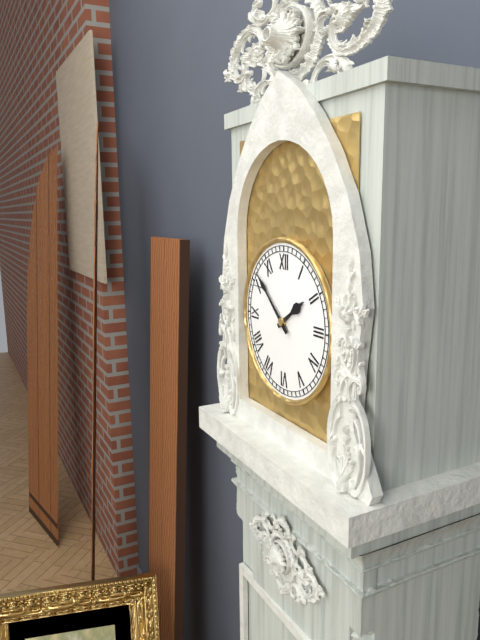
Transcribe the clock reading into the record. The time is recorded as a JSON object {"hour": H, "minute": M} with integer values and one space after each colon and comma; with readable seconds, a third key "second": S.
{"hour": 1, "minute": 52}
